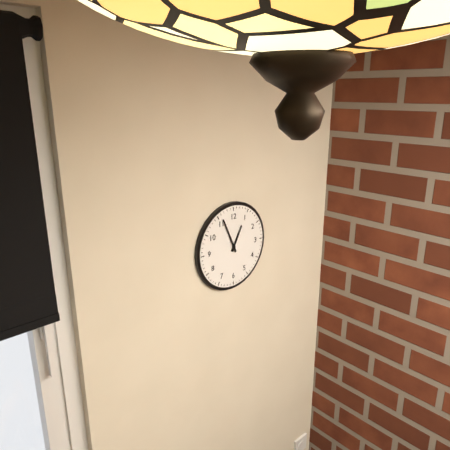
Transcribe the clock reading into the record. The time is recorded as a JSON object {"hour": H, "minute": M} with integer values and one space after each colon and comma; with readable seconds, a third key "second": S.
{"hour": 12, "minute": 56}
